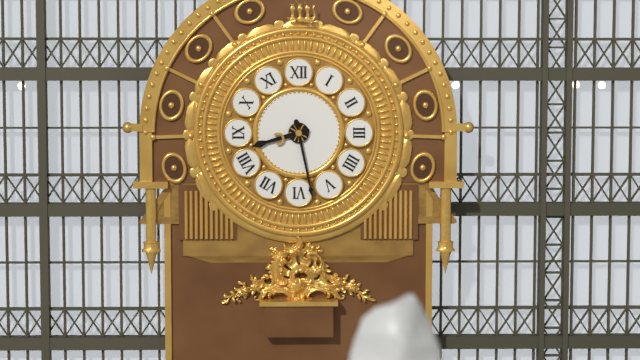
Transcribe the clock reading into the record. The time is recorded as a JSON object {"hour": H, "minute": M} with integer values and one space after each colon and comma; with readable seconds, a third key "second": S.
{"hour": 8, "minute": 28}
